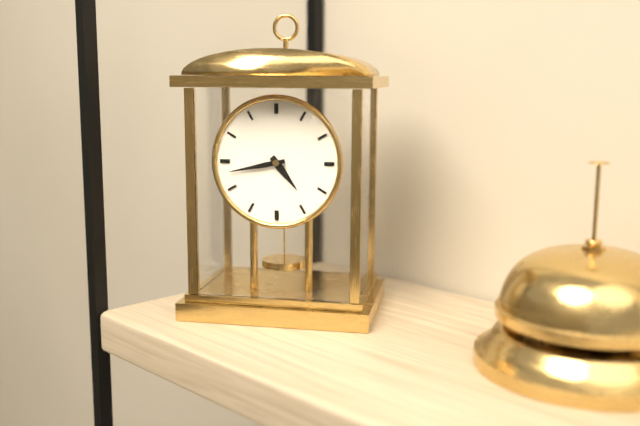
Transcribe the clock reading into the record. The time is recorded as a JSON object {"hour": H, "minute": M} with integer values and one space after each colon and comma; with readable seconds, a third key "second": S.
{"hour": 4, "minute": 43}
